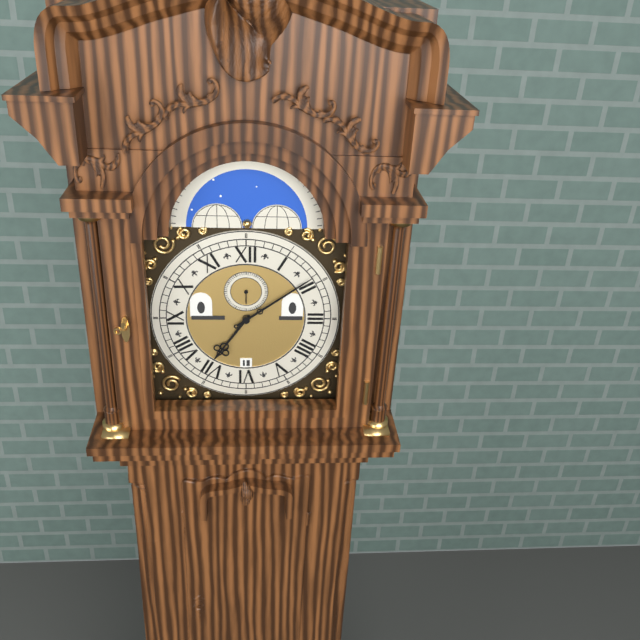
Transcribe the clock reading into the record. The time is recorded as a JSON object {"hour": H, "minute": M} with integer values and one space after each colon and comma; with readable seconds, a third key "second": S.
{"hour": 7, "minute": 9}
